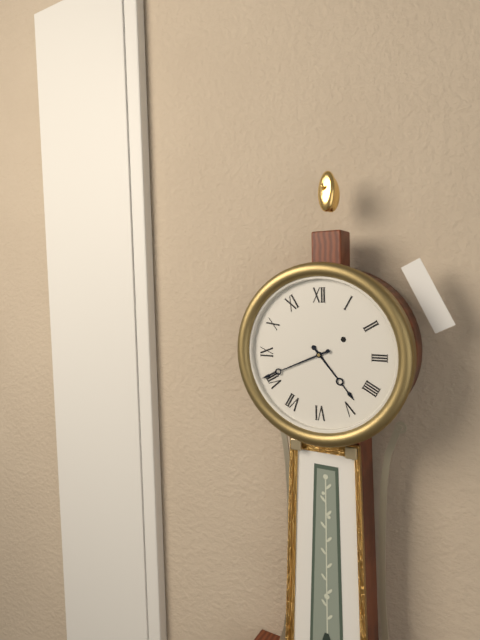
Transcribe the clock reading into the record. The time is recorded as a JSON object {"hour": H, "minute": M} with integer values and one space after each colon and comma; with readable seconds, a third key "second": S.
{"hour": 4, "minute": 41}
